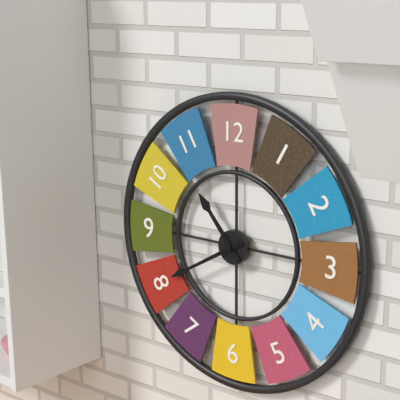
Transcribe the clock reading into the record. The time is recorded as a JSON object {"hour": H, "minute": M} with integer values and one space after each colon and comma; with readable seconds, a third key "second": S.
{"hour": 10, "minute": 40}
